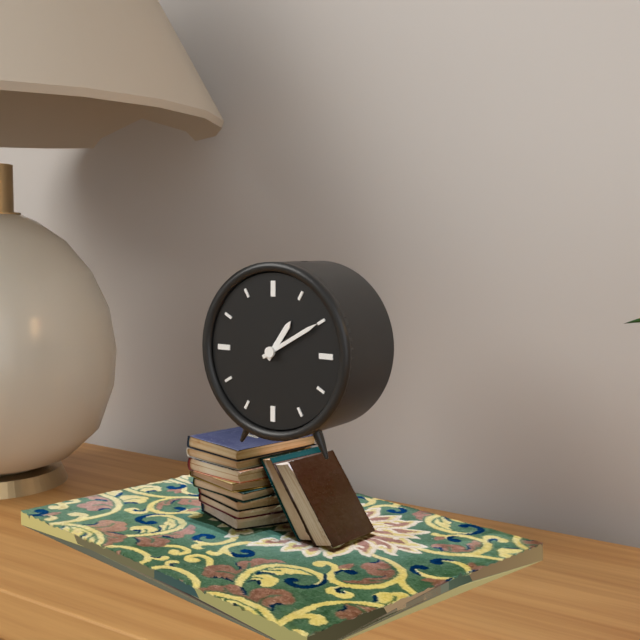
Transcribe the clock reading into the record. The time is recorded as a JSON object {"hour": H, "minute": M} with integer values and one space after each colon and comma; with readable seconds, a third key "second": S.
{"hour": 1, "minute": 10}
